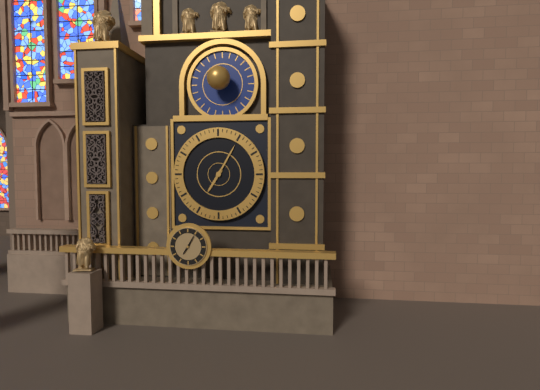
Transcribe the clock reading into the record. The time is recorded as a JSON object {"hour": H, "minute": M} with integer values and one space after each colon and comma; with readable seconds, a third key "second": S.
{"hour": 7, "minute": 5}
